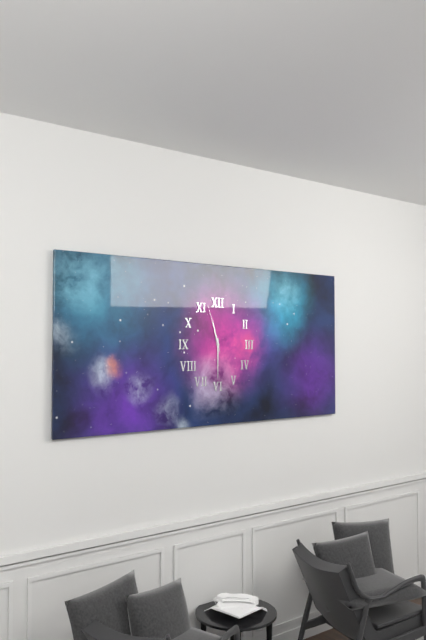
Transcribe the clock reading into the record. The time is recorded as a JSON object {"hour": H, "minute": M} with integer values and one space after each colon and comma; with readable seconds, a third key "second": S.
{"hour": 11, "minute": 30, "second": 57}
